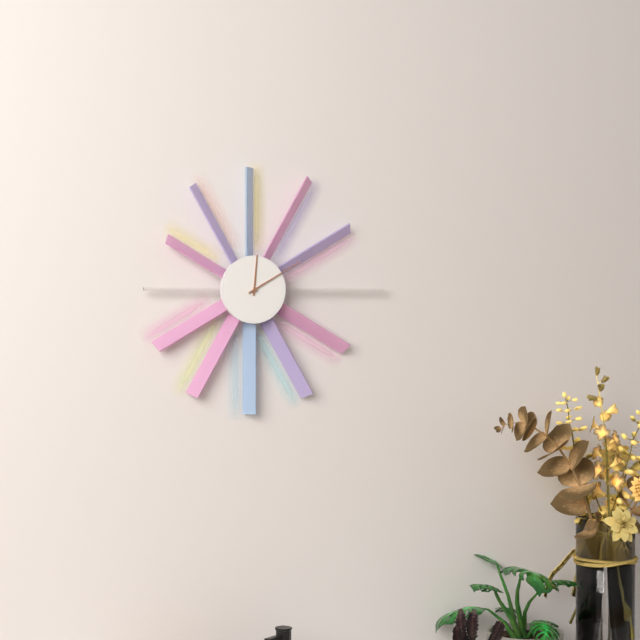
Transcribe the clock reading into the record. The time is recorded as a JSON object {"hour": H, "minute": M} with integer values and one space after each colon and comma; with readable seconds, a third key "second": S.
{"hour": 12, "minute": 10}
